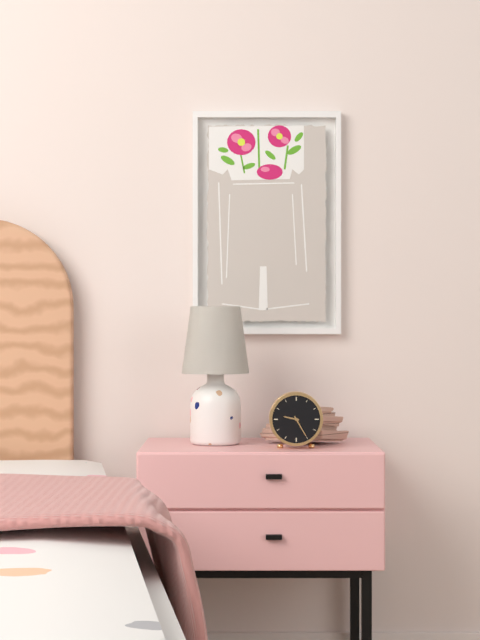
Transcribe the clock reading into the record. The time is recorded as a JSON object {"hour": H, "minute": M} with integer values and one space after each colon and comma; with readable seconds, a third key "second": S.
{"hour": 9, "minute": 25}
